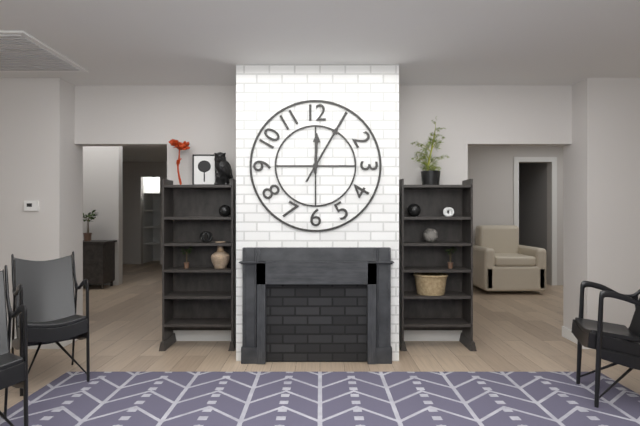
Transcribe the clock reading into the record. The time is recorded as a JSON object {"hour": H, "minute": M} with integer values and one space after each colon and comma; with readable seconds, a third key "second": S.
{"hour": 12, "minute": 5}
